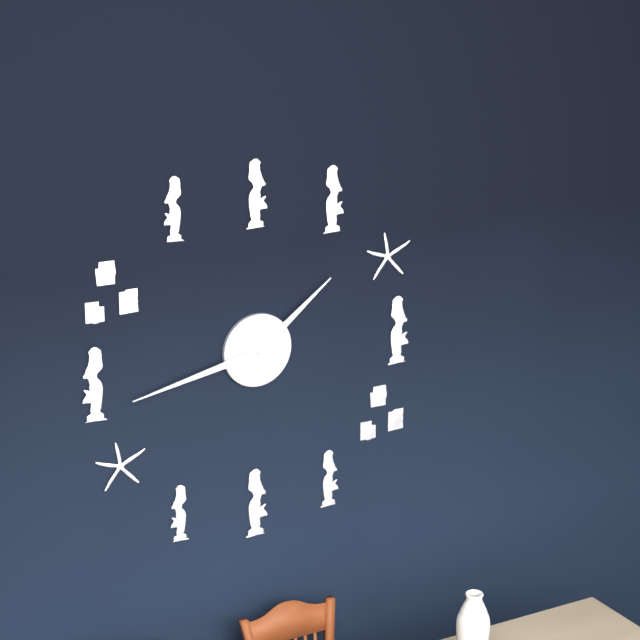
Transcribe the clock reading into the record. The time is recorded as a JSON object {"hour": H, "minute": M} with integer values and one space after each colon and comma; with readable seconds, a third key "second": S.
{"hour": 1, "minute": 43}
